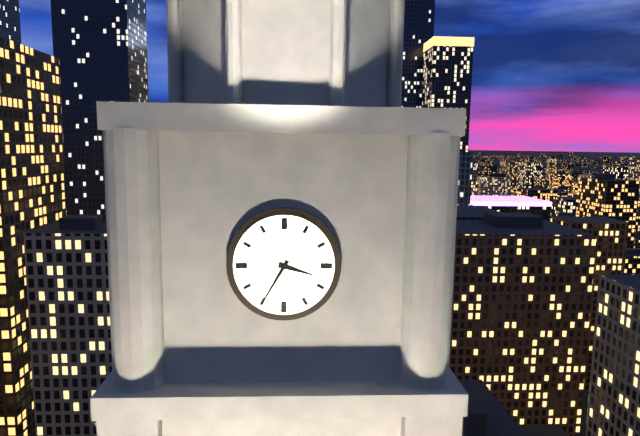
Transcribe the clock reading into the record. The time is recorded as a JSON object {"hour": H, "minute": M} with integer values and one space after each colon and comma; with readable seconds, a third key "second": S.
{"hour": 3, "minute": 35}
